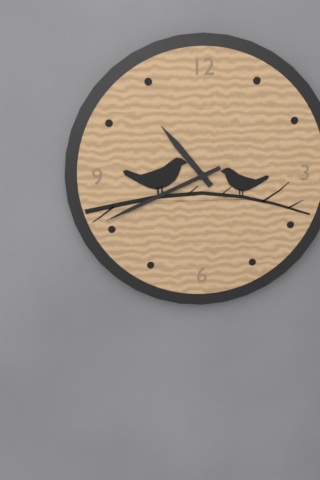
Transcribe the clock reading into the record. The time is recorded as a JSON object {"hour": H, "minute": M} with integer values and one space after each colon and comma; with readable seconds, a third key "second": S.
{"hour": 10, "minute": 41}
